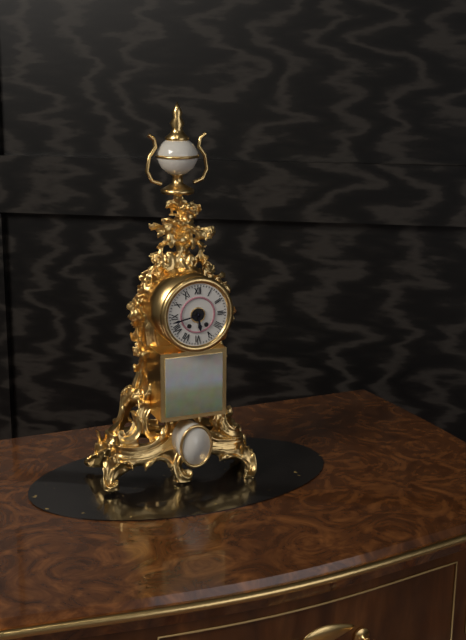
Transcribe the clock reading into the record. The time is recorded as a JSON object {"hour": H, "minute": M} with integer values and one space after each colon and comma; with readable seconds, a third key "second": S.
{"hour": 5, "minute": 43}
